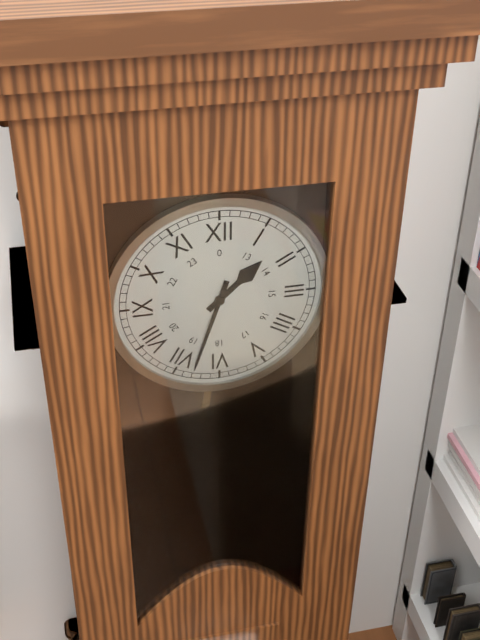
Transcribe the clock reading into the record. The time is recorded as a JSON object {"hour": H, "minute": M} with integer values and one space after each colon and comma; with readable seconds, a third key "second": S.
{"hour": 1, "minute": 33}
